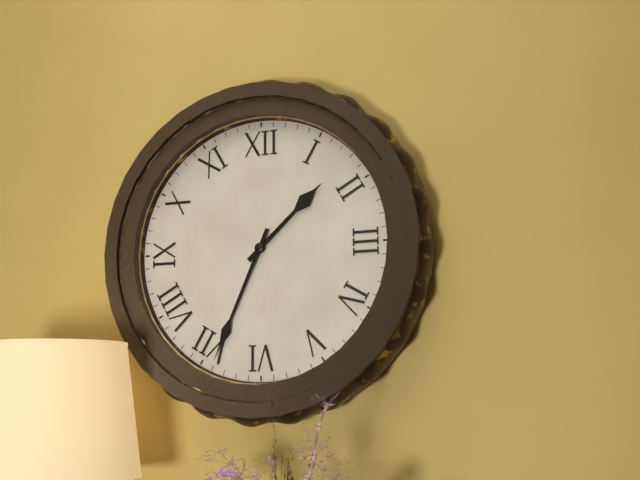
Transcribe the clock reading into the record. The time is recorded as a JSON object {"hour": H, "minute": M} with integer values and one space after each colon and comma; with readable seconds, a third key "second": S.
{"hour": 1, "minute": 34}
